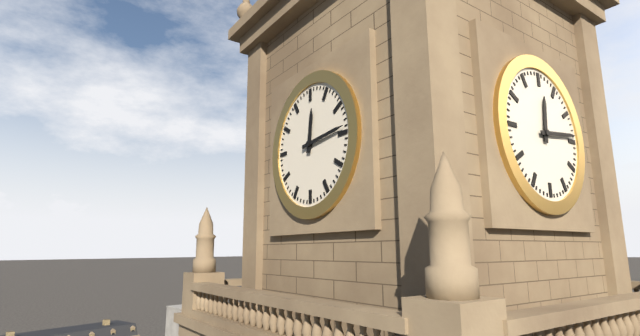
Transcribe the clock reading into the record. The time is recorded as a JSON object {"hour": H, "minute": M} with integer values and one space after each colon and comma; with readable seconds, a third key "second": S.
{"hour": 12, "minute": 14}
